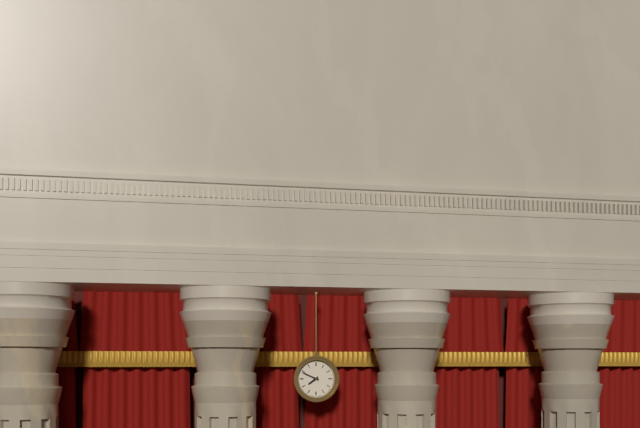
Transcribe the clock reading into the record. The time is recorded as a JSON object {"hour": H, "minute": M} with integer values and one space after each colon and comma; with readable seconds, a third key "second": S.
{"hour": 7, "minute": 49}
